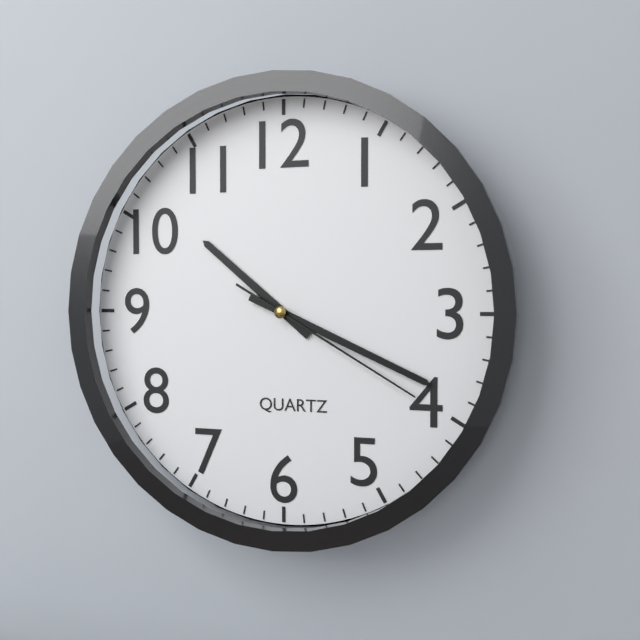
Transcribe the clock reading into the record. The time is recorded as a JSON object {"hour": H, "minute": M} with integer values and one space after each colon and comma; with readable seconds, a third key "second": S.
{"hour": 10, "minute": 19, "second": 20}
